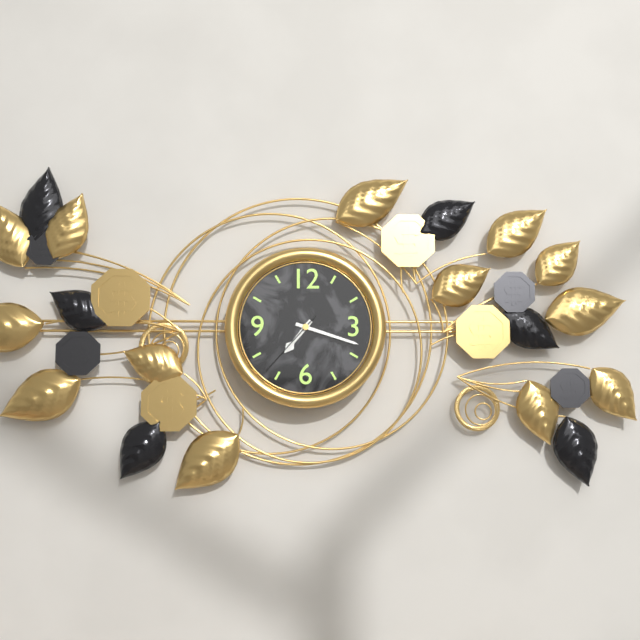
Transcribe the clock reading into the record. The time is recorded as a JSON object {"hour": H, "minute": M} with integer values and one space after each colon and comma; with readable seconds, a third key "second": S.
{"hour": 7, "minute": 18, "second": 37}
